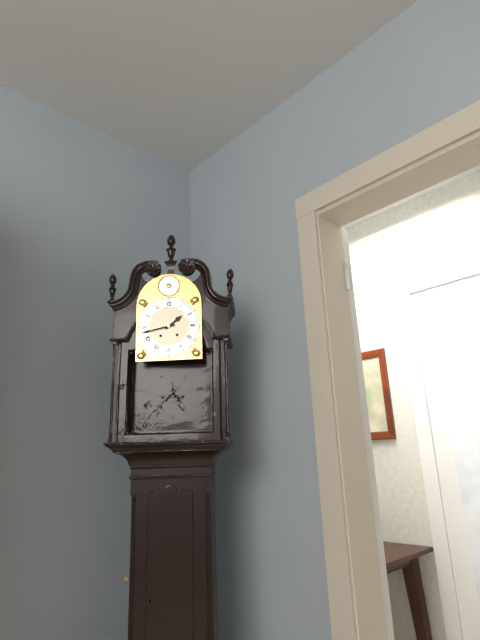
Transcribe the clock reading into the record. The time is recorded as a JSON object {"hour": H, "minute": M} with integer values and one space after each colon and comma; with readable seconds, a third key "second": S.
{"hour": 1, "minute": 43}
